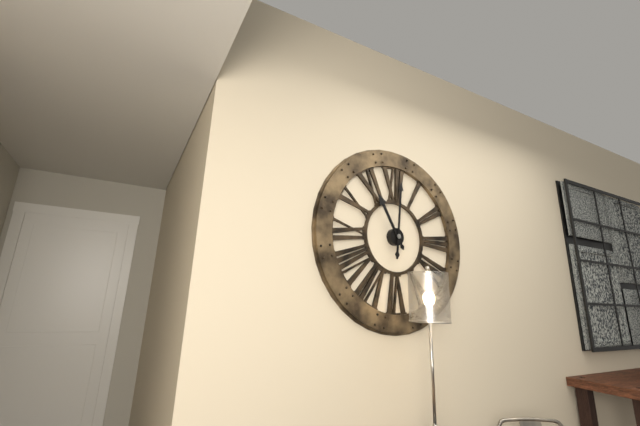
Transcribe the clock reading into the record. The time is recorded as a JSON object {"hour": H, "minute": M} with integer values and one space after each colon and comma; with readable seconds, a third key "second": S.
{"hour": 11, "minute": 1}
